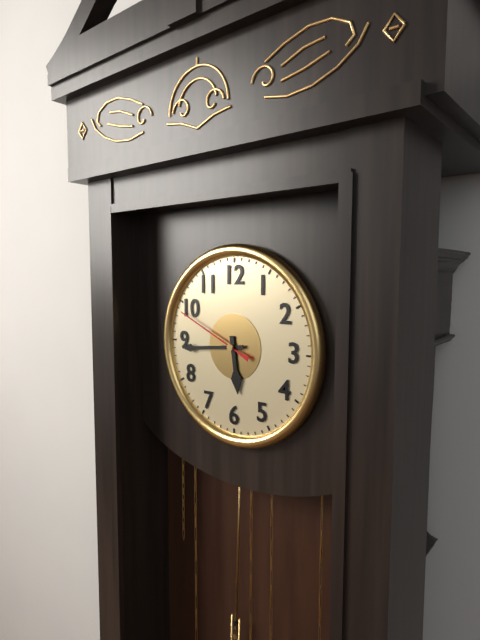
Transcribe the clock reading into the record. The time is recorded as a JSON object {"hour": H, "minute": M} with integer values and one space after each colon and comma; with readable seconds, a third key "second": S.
{"hour": 5, "minute": 44, "second": 49}
